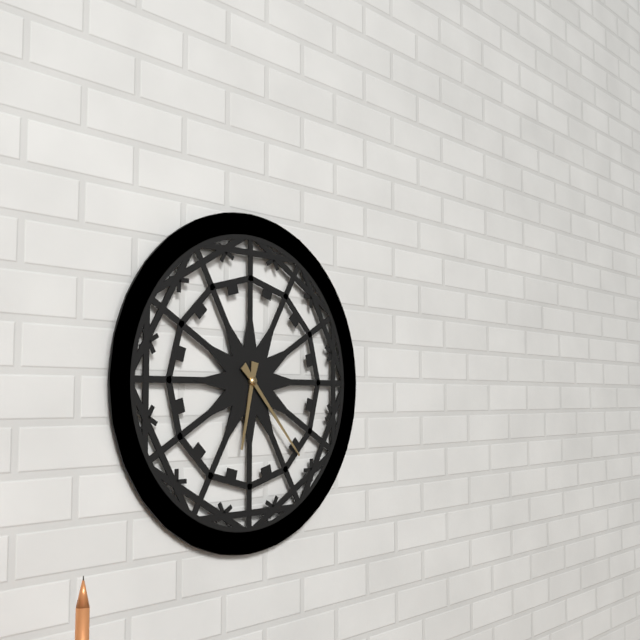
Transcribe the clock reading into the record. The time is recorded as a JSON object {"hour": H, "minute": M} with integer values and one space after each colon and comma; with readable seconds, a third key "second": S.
{"hour": 6, "minute": 23}
